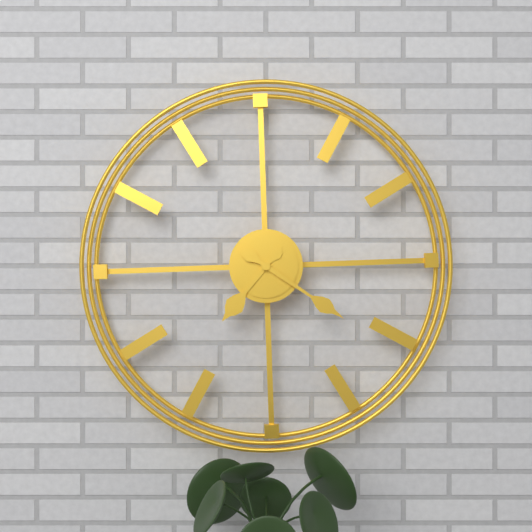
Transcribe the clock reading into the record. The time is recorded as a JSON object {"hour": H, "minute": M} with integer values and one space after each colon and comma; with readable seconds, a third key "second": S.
{"hour": 7, "minute": 21}
